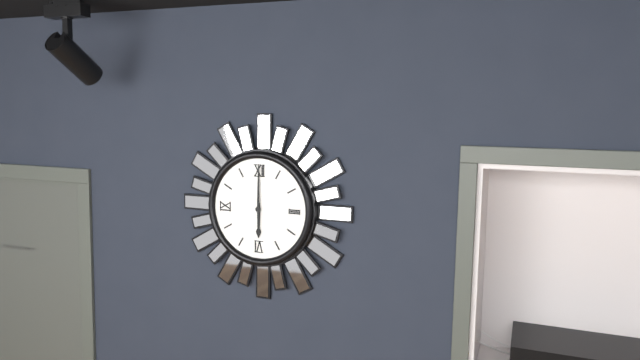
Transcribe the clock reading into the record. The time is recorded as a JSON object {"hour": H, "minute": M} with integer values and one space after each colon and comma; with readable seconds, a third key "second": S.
{"hour": 6, "minute": 0}
